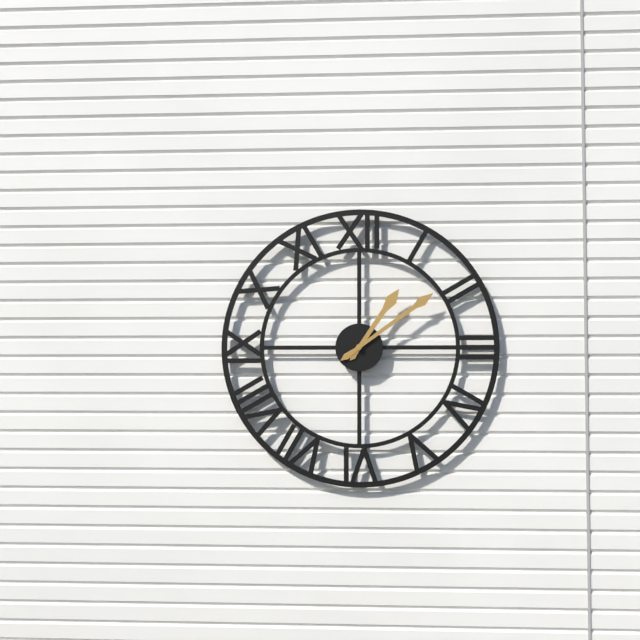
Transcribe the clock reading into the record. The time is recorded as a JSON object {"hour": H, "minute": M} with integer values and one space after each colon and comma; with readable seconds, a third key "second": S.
{"hour": 1, "minute": 9}
